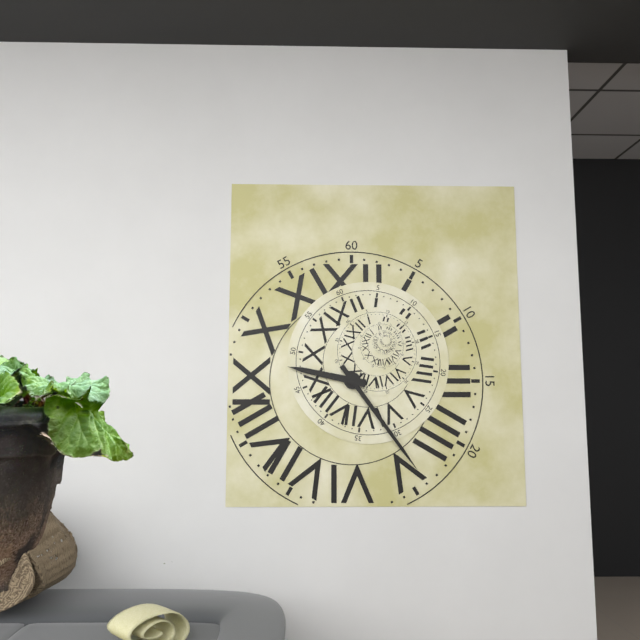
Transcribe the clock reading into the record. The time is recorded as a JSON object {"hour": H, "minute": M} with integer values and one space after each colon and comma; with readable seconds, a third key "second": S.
{"hour": 9, "minute": 24}
